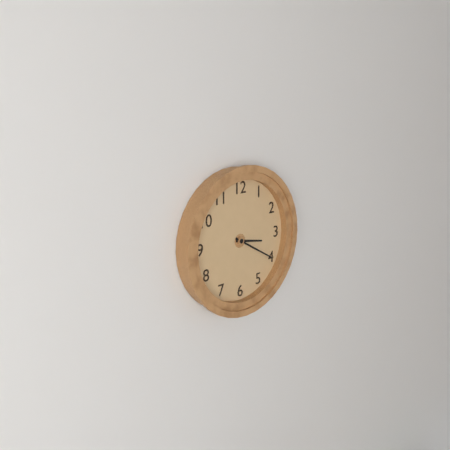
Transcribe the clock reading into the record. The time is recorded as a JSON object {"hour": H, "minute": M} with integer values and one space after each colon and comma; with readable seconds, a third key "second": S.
{"hour": 3, "minute": 20}
